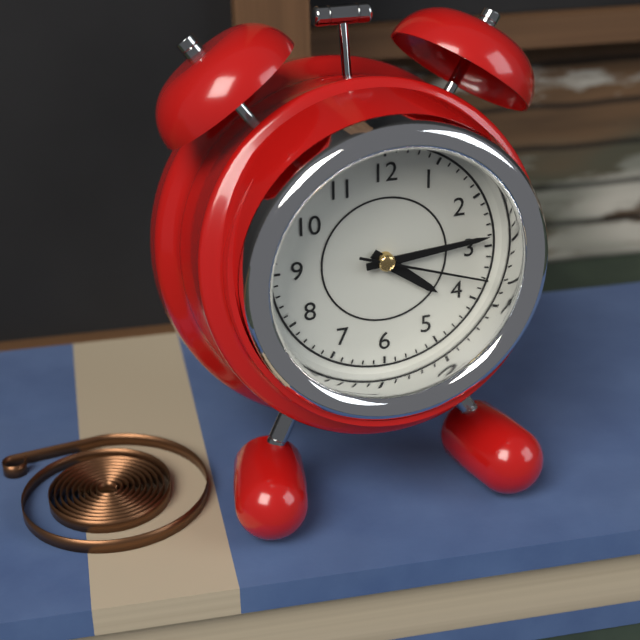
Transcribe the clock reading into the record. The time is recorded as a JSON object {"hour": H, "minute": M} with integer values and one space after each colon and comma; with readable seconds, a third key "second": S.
{"hour": 4, "minute": 14, "second": 18}
